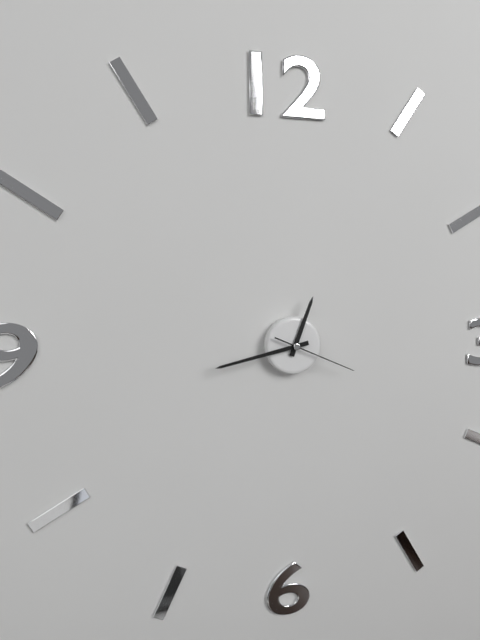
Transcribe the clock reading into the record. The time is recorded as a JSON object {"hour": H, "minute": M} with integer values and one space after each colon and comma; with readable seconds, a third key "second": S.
{"hour": 12, "minute": 43, "second": 19}
